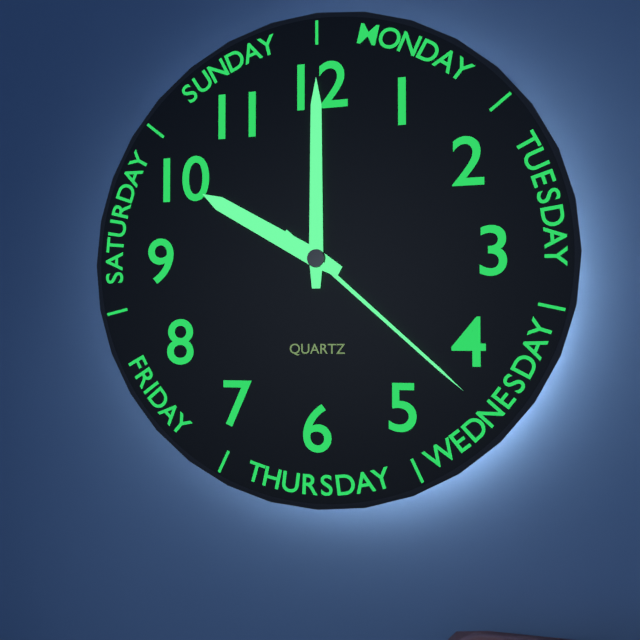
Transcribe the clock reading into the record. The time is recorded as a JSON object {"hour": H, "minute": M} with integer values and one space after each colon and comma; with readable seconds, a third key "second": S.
{"hour": 10, "minute": 0, "second": 22}
